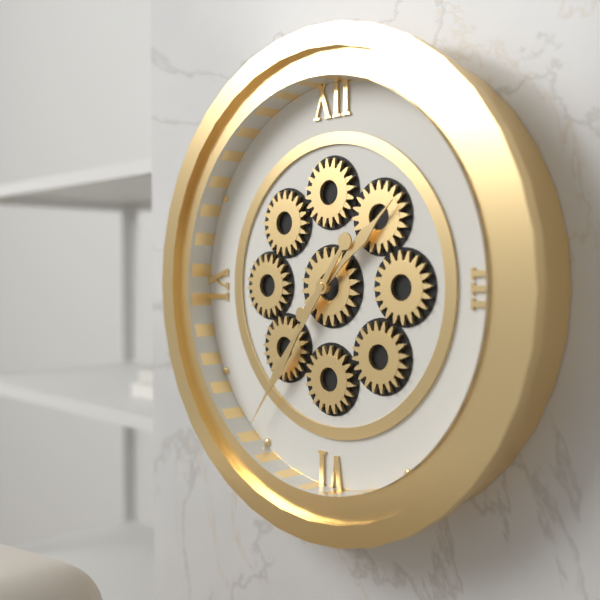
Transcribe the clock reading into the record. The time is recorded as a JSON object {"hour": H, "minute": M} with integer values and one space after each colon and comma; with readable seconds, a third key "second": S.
{"hour": 1, "minute": 36}
